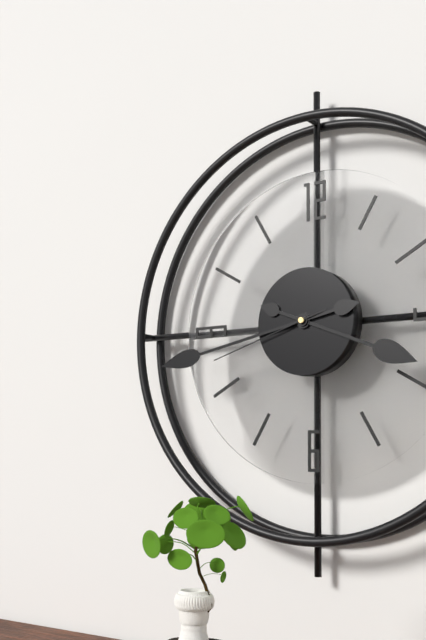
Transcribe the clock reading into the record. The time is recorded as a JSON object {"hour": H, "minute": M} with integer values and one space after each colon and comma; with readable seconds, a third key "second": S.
{"hour": 3, "minute": 43, "second": 42}
